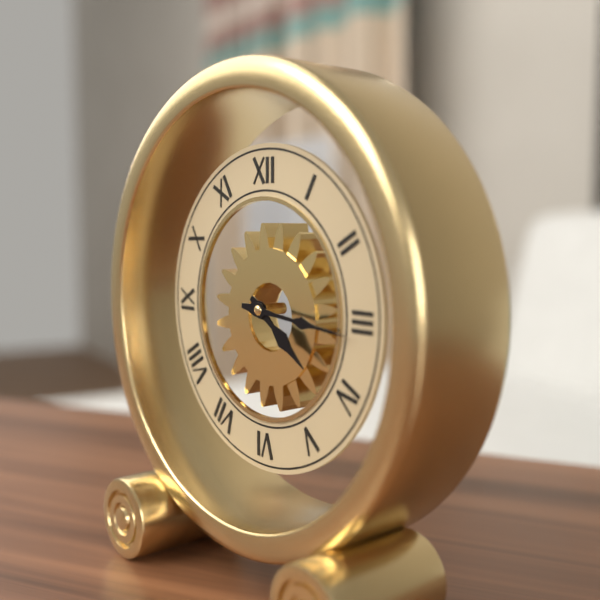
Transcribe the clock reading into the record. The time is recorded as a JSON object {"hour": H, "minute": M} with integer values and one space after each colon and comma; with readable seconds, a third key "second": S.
{"hour": 4, "minute": 16}
